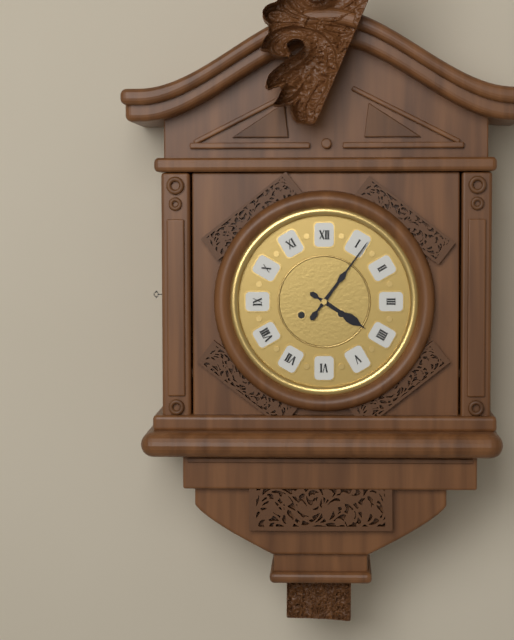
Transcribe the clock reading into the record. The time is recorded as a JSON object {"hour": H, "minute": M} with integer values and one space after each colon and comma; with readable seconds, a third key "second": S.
{"hour": 4, "minute": 6}
